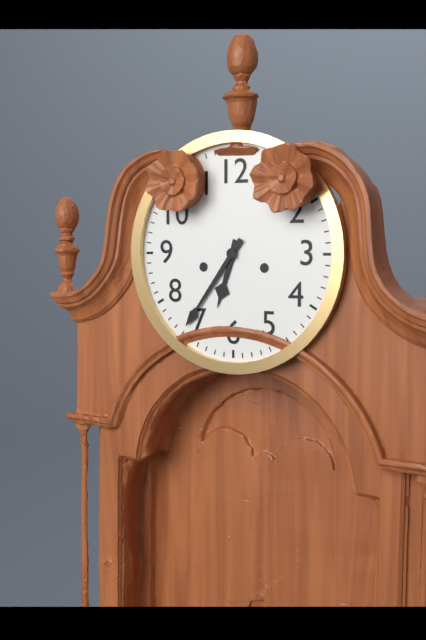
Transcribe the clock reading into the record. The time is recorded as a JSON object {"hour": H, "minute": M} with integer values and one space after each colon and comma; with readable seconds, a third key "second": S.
{"hour": 6, "minute": 36}
